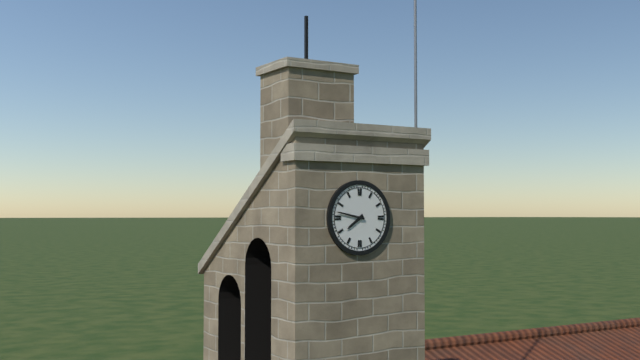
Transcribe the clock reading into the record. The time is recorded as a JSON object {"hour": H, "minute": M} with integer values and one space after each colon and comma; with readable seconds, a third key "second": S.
{"hour": 7, "minute": 47}
